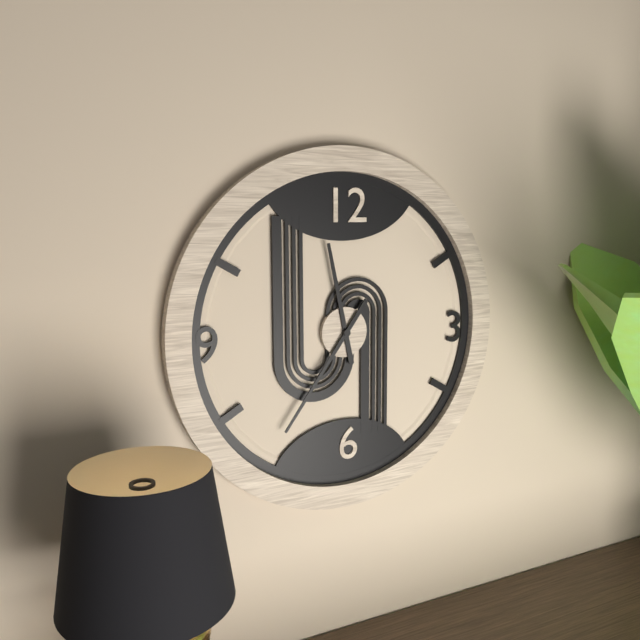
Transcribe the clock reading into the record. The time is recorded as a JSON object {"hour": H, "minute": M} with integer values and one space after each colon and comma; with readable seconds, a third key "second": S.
{"hour": 11, "minute": 36}
